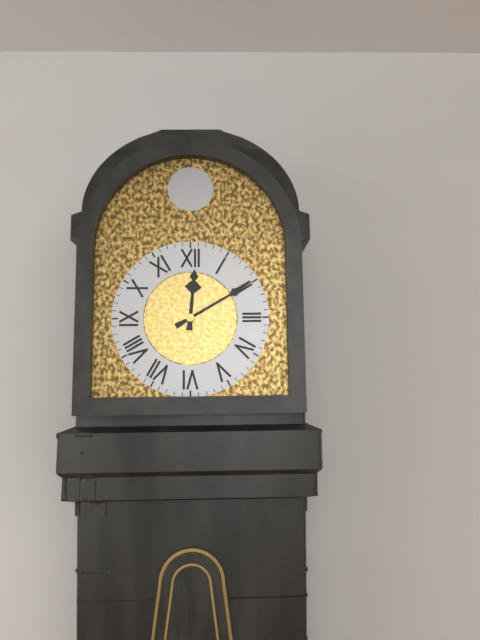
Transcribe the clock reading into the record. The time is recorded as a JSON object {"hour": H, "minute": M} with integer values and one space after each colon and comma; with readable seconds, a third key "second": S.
{"hour": 12, "minute": 10}
